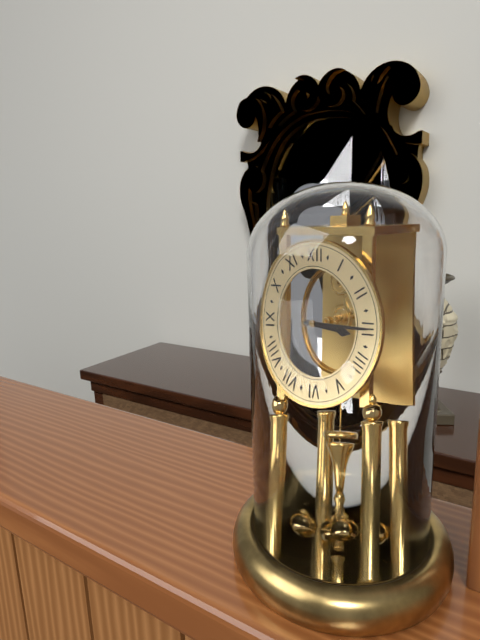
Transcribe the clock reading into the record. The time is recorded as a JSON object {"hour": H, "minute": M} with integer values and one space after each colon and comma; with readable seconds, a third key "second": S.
{"hour": 3, "minute": 15}
